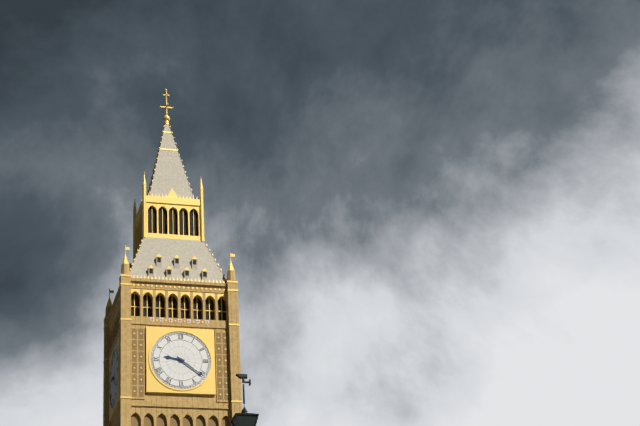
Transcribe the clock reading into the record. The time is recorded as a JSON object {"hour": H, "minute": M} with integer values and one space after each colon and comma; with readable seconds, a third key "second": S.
{"hour": 9, "minute": 21}
